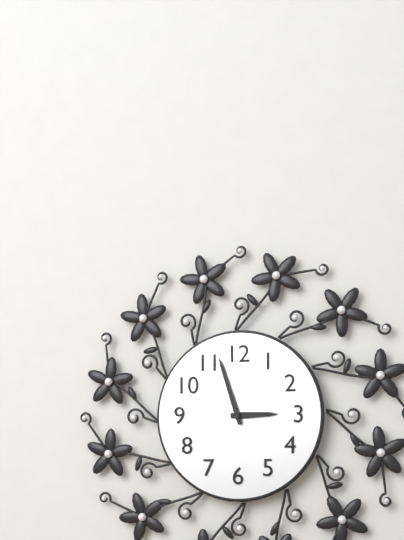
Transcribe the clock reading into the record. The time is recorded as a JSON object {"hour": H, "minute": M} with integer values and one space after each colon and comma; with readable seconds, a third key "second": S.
{"hour": 2, "minute": 57}
